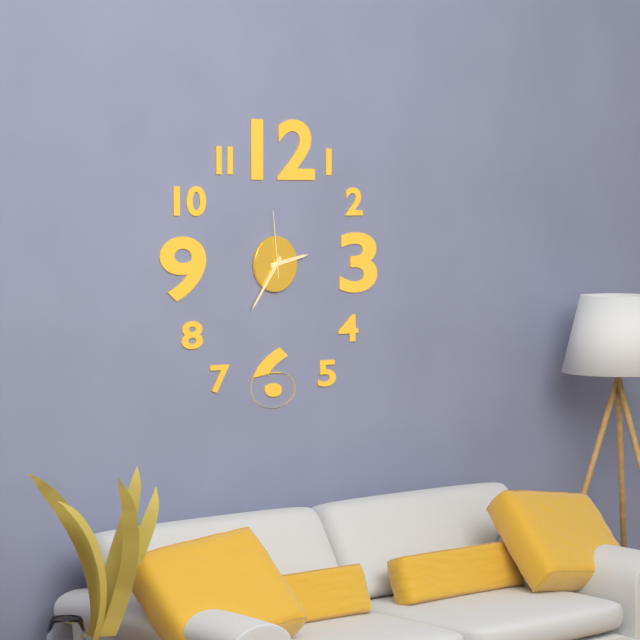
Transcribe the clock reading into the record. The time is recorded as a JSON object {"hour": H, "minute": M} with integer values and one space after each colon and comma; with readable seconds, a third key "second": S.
{"hour": 2, "minute": 36, "second": 59}
